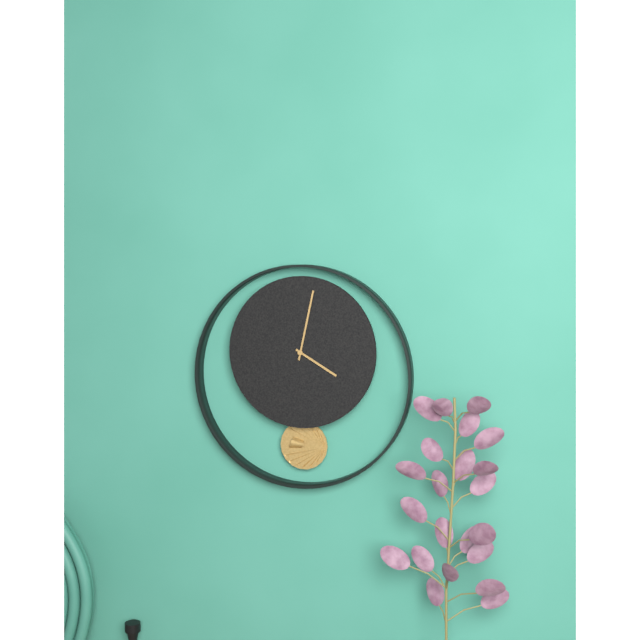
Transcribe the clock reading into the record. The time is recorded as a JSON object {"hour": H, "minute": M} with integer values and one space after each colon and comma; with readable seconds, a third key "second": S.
{"hour": 4, "minute": 2}
